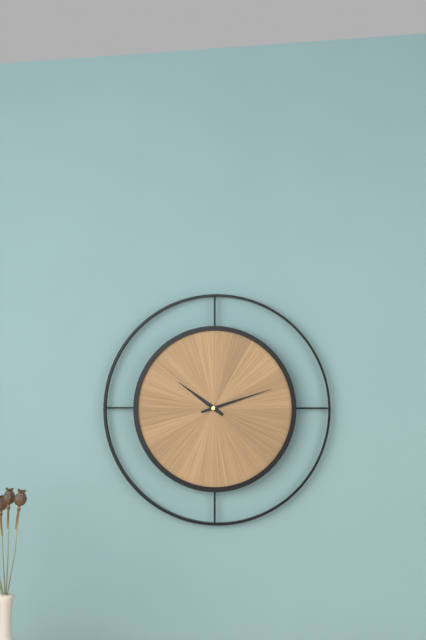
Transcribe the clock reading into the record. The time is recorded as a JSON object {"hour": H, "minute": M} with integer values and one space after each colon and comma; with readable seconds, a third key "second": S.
{"hour": 10, "minute": 12}
